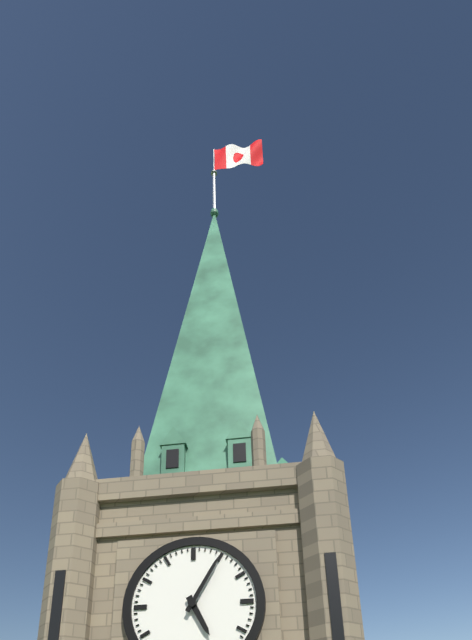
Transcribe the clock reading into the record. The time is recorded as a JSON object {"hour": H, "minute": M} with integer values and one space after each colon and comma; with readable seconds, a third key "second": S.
{"hour": 5, "minute": 5}
